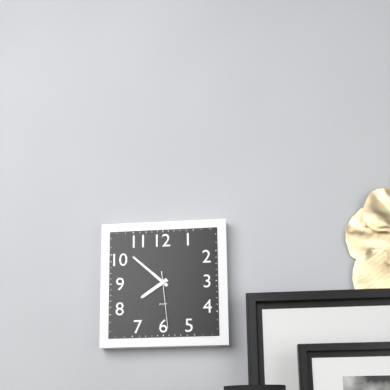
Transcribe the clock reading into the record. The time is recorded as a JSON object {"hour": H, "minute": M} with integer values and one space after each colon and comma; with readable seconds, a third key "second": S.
{"hour": 7, "minute": 52, "second": 29}
